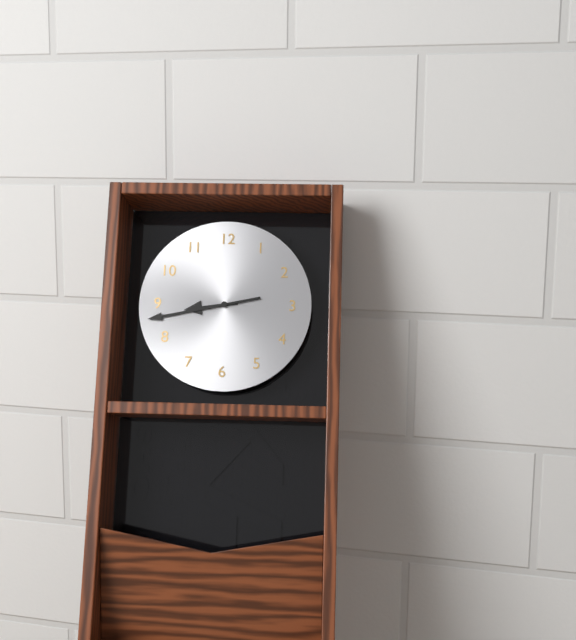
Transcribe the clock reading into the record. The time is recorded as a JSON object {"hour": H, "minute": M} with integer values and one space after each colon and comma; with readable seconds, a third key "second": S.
{"hour": 8, "minute": 43}
